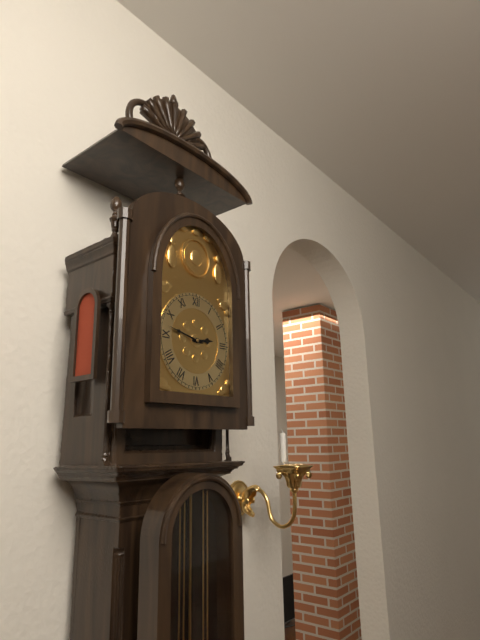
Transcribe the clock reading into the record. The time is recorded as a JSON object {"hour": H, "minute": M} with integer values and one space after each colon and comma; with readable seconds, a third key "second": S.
{"hour": 2, "minute": 47}
